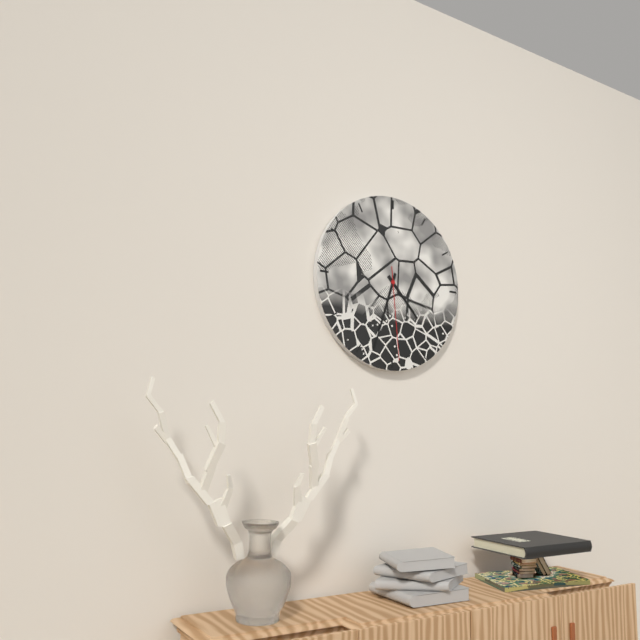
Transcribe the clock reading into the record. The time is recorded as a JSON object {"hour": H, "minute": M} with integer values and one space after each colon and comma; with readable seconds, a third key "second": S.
{"hour": 4, "minute": 33, "second": 29}
